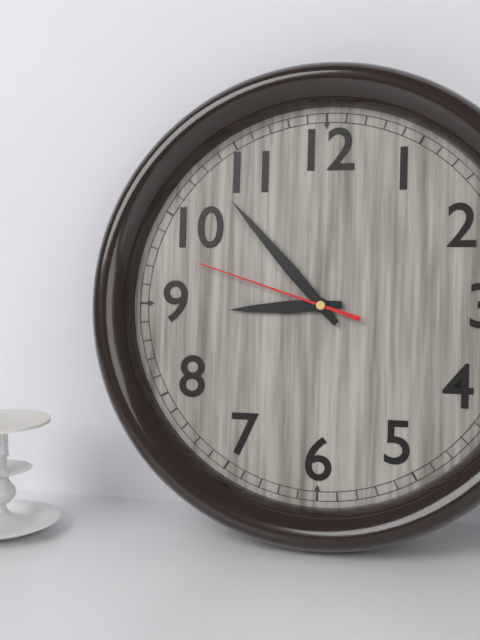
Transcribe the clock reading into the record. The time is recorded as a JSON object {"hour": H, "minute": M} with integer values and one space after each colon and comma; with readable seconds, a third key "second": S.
{"hour": 8, "minute": 53, "second": 48}
